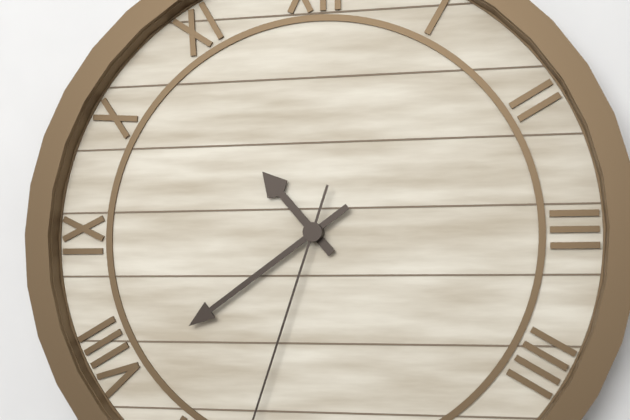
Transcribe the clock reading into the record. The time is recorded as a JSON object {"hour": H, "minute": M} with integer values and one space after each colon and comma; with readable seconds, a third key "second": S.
{"hour": 10, "minute": 39}
